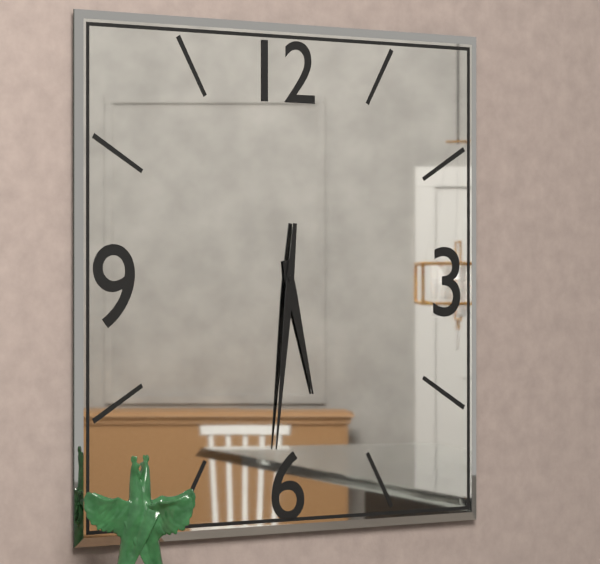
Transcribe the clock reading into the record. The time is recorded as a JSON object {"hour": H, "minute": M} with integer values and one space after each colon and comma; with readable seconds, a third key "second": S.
{"hour": 5, "minute": 31}
